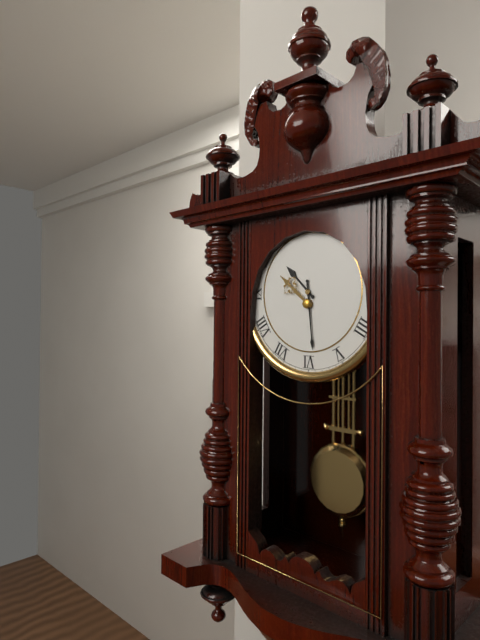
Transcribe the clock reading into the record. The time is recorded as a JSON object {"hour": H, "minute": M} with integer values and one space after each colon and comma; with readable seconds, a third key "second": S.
{"hour": 10, "minute": 29}
